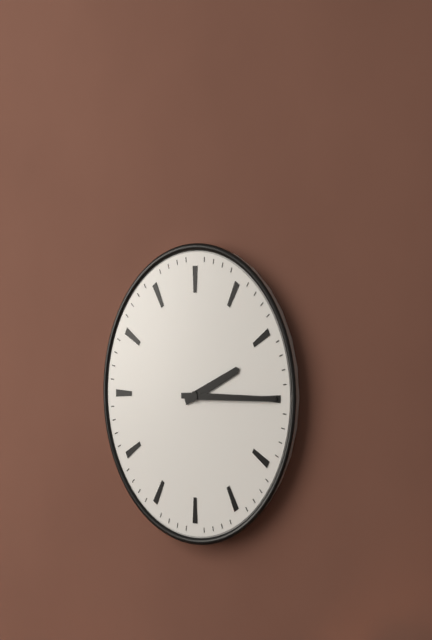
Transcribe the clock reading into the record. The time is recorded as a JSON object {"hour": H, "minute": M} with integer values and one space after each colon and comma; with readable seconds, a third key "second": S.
{"hour": 2, "minute": 15}
